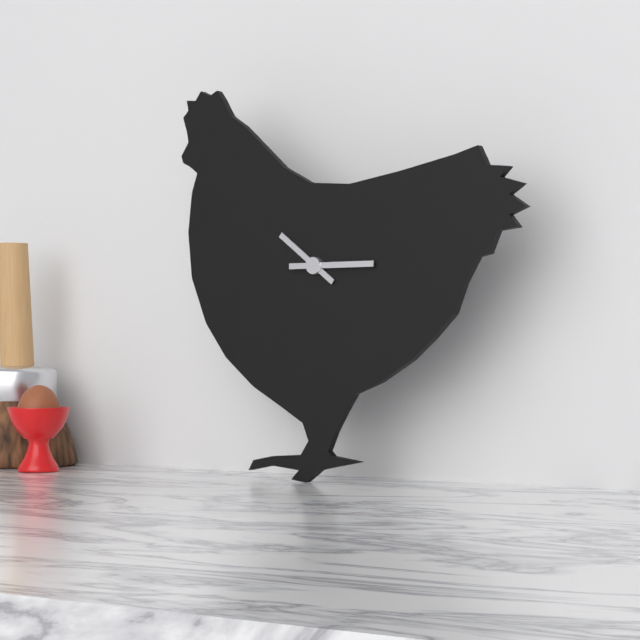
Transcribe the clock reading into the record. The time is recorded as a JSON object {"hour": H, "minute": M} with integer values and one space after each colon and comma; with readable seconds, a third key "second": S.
{"hour": 10, "minute": 15}
